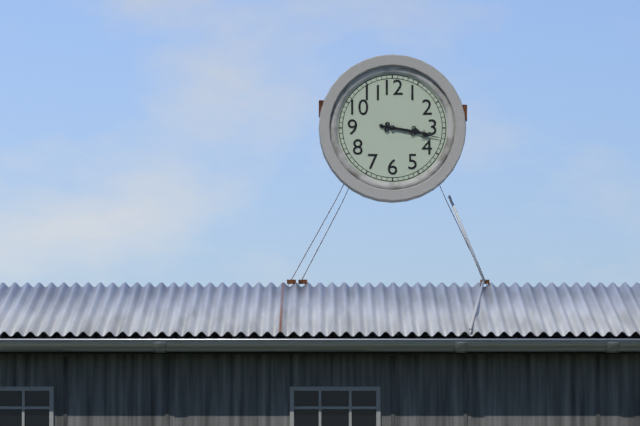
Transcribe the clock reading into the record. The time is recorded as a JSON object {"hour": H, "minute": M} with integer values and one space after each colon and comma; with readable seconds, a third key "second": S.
{"hour": 3, "minute": 17}
